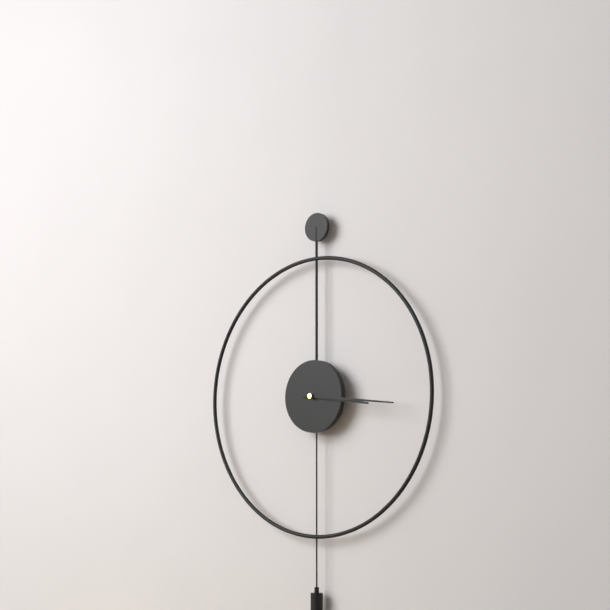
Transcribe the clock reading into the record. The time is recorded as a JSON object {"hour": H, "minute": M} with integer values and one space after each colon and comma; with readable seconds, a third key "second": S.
{"hour": 3, "minute": 16}
